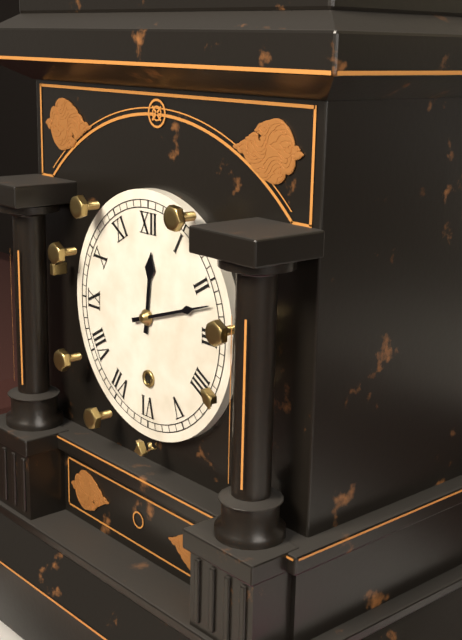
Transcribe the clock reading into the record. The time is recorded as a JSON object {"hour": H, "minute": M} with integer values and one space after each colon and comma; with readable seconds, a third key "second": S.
{"hour": 12, "minute": 12}
